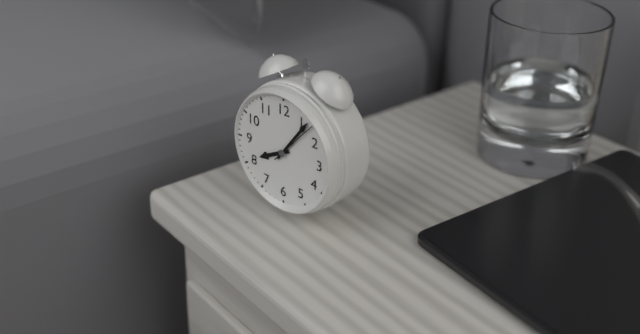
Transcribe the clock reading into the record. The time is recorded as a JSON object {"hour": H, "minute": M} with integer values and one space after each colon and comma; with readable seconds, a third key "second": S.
{"hour": 8, "minute": 6, "second": 7}
